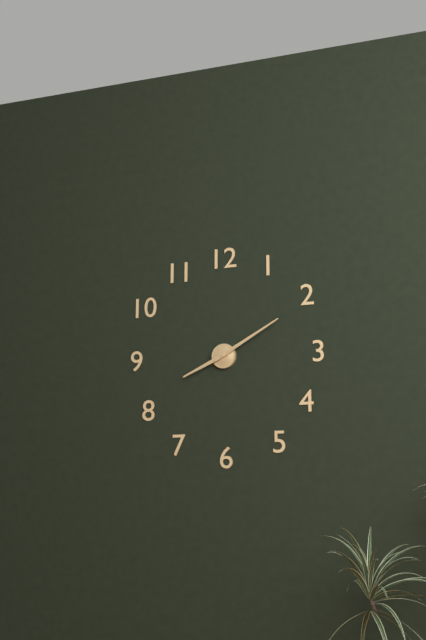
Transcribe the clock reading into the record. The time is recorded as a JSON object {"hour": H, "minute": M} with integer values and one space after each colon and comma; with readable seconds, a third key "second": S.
{"hour": 8, "minute": 10}
